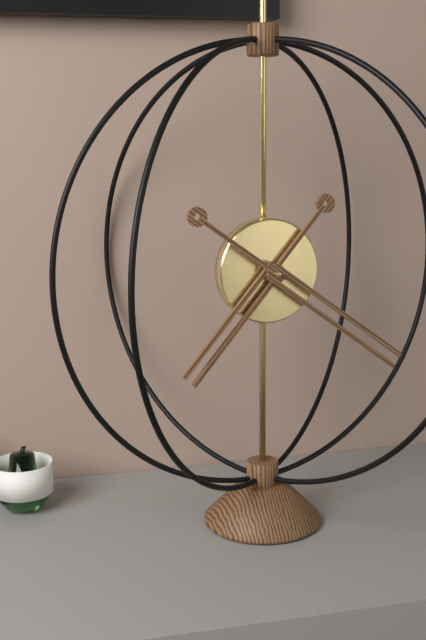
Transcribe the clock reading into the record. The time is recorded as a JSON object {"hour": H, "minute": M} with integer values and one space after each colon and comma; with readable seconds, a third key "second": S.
{"hour": 7, "minute": 21}
